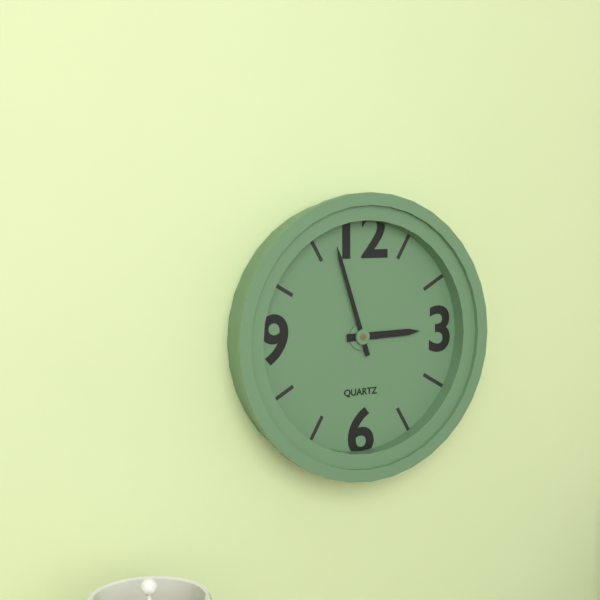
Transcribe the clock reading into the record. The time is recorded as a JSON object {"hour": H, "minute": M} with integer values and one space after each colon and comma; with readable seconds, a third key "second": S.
{"hour": 2, "minute": 57}
